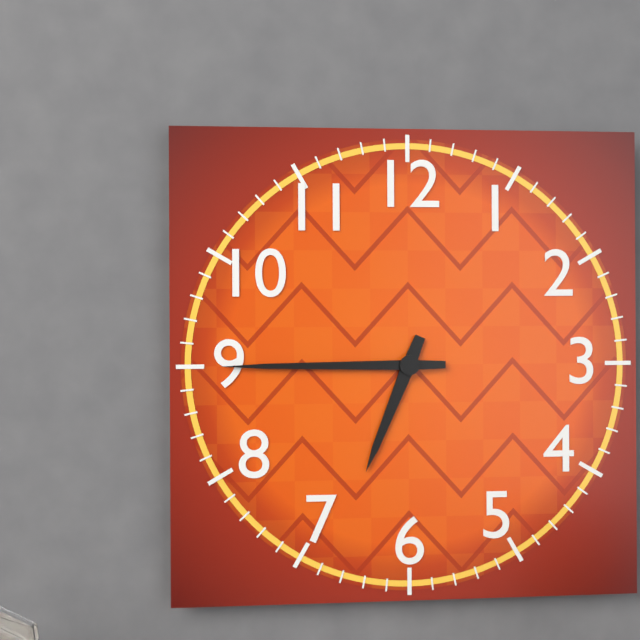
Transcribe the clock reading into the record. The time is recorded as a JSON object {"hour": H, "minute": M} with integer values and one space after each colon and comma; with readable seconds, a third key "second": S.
{"hour": 6, "minute": 45}
